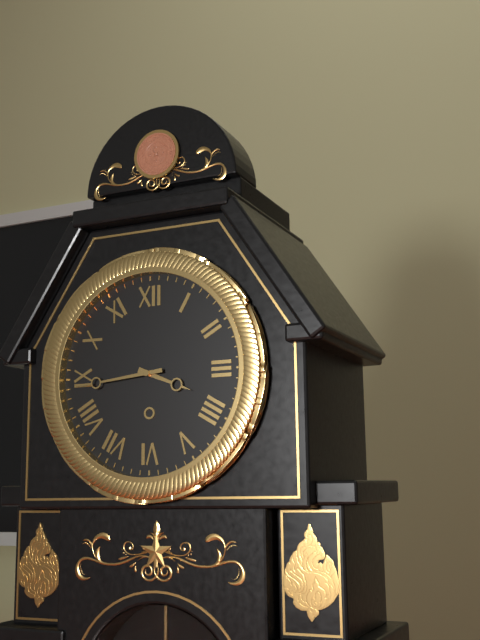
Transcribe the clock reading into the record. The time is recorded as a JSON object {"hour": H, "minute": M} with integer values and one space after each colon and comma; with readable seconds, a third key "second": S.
{"hour": 3, "minute": 44}
